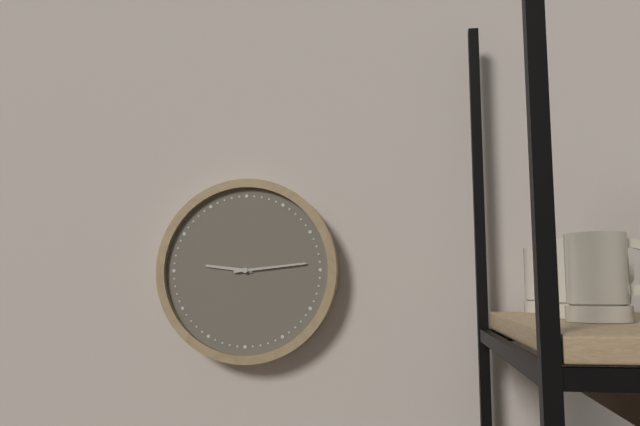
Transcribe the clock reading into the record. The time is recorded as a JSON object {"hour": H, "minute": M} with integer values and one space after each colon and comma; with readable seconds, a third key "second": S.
{"hour": 9, "minute": 14}
